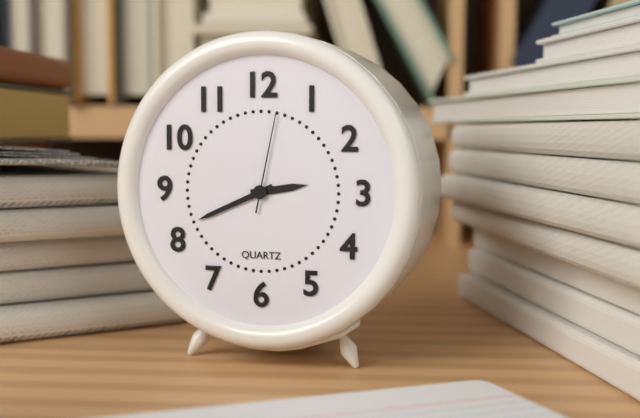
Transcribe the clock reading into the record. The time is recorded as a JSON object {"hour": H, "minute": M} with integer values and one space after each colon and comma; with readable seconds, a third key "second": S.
{"hour": 2, "minute": 41, "second": 2}
